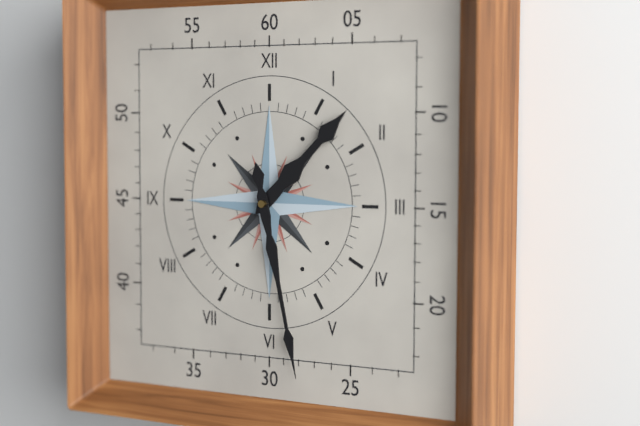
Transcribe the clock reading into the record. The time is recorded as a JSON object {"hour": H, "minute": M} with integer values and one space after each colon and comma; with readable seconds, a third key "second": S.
{"hour": 1, "minute": 28}
